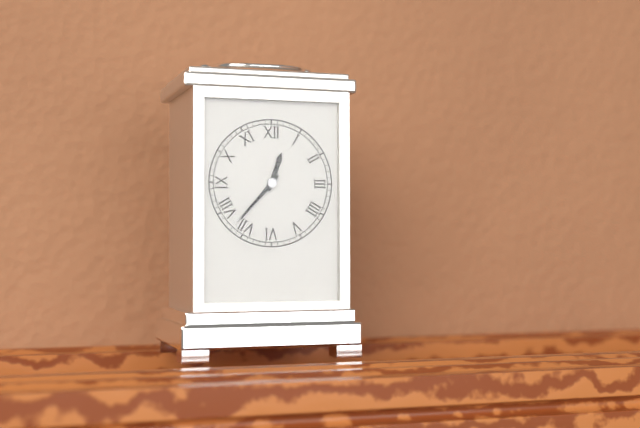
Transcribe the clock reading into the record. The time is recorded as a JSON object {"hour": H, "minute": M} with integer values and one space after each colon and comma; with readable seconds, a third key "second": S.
{"hour": 12, "minute": 37}
